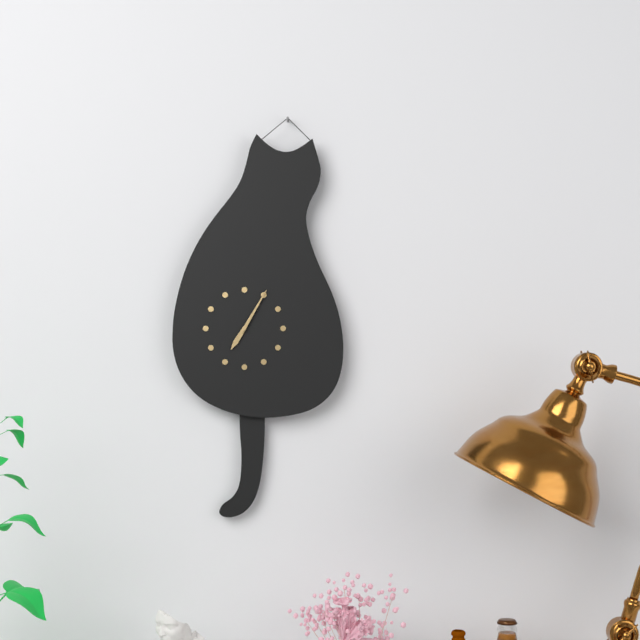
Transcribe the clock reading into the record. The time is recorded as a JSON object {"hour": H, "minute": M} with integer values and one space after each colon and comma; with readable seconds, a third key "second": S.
{"hour": 7, "minute": 5}
